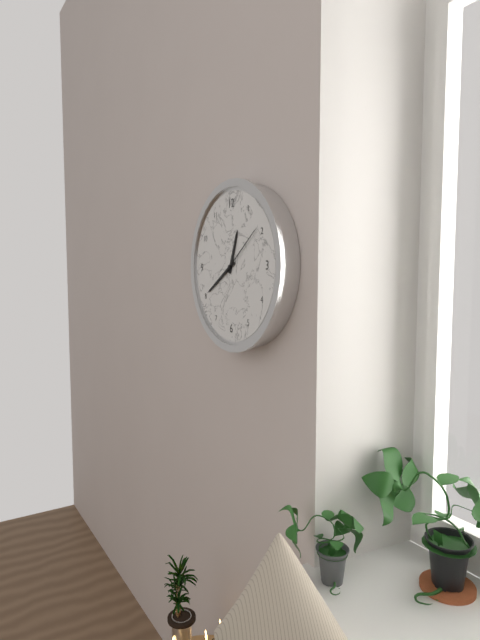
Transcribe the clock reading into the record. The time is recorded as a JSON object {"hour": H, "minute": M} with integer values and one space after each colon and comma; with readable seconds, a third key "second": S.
{"hour": 12, "minute": 40, "second": 9}
